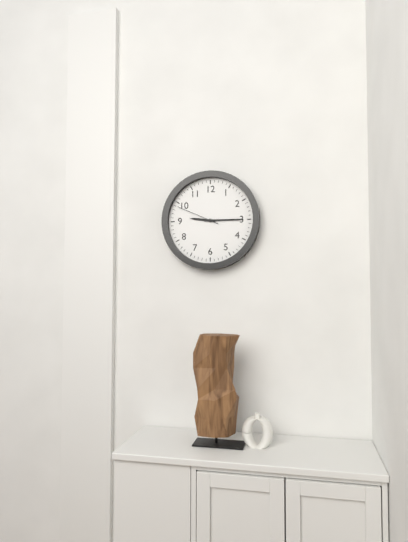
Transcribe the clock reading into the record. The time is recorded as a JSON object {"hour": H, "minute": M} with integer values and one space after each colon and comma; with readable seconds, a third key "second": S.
{"hour": 9, "minute": 15}
